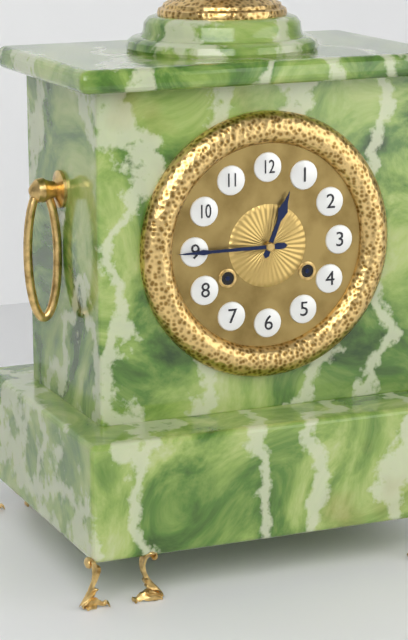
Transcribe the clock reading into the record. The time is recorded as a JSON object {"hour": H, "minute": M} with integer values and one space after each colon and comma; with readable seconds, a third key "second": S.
{"hour": 12, "minute": 45}
